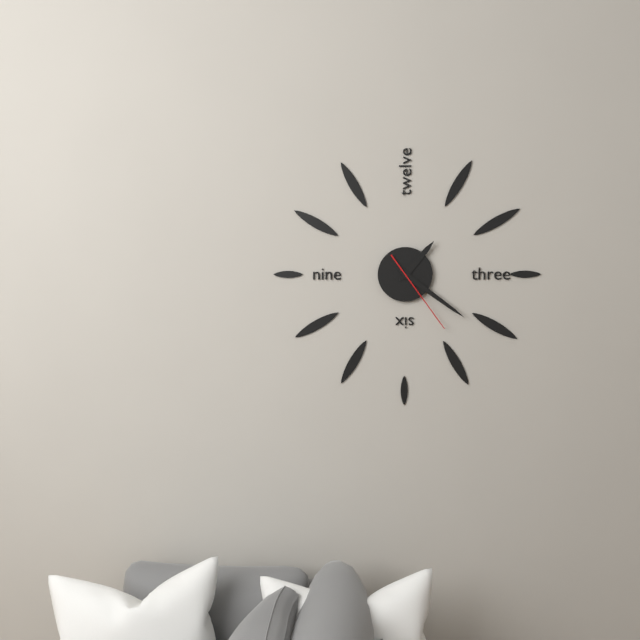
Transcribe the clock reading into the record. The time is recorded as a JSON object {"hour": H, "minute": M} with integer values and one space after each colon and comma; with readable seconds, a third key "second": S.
{"hour": 1, "minute": 21, "second": 24}
